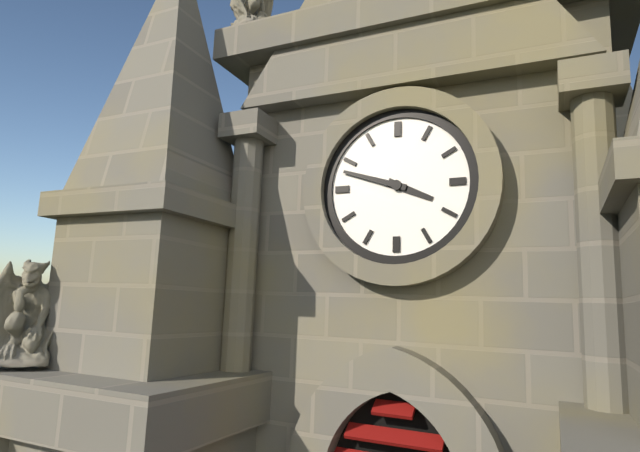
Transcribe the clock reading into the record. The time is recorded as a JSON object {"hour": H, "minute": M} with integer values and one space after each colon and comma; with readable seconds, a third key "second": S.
{"hour": 3, "minute": 48}
